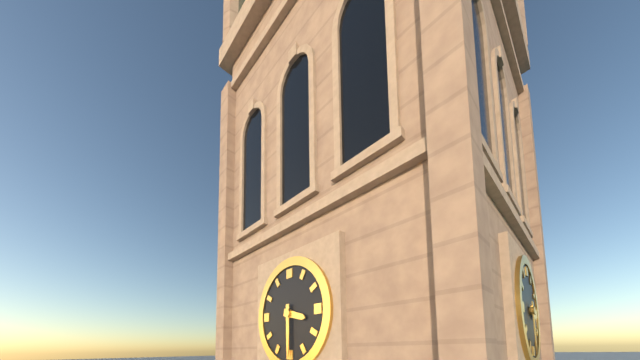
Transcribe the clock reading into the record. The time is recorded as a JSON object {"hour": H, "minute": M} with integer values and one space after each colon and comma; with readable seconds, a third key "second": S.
{"hour": 3, "minute": 30}
